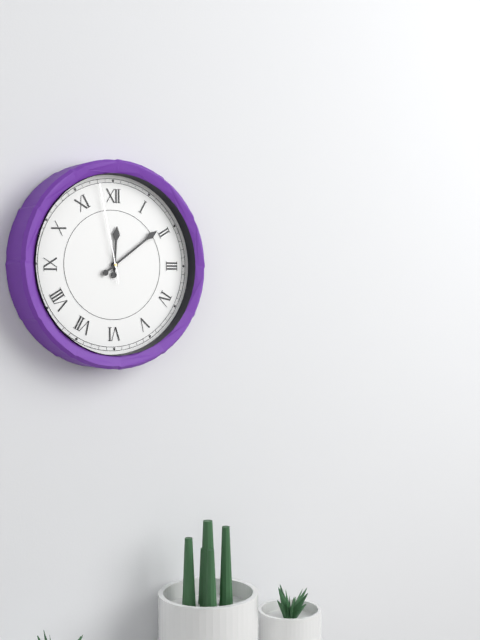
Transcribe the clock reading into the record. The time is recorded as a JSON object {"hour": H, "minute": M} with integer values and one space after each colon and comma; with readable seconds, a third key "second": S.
{"hour": 12, "minute": 9, "second": 58}
